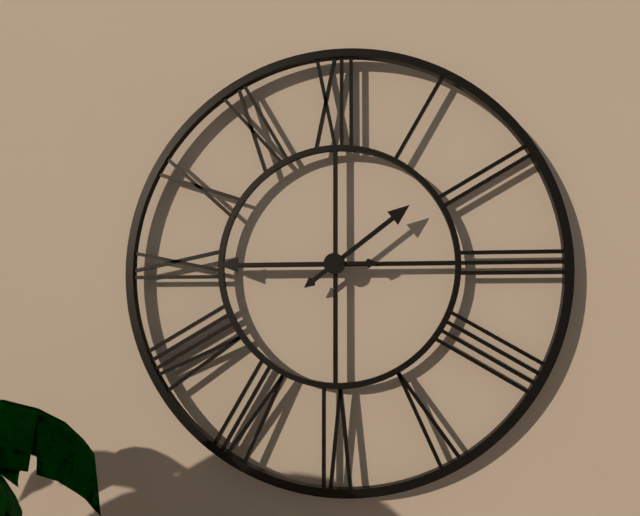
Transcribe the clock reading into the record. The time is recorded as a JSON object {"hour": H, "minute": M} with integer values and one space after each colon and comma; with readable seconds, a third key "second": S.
{"hour": 1, "minute": 45}
